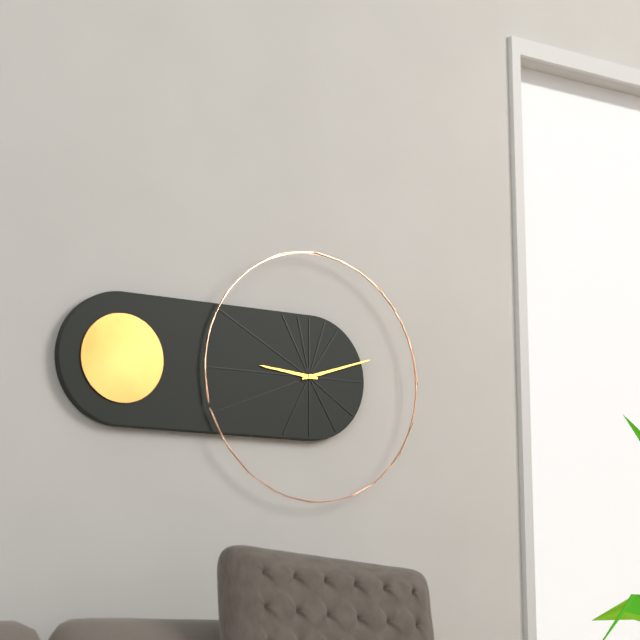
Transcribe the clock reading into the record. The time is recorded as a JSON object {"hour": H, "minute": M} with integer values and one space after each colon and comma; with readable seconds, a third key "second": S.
{"hour": 9, "minute": 12}
